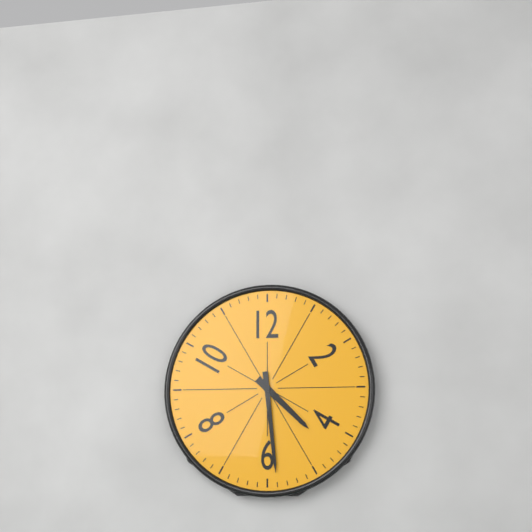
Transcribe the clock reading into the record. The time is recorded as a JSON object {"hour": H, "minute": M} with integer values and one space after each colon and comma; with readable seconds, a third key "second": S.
{"hour": 4, "minute": 29}
